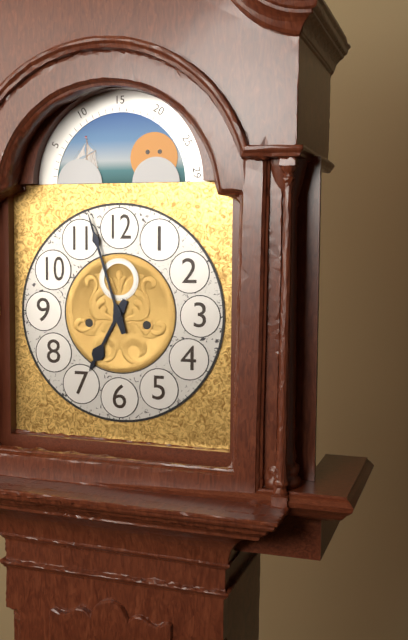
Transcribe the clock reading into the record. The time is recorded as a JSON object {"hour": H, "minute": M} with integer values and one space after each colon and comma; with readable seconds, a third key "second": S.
{"hour": 6, "minute": 57}
